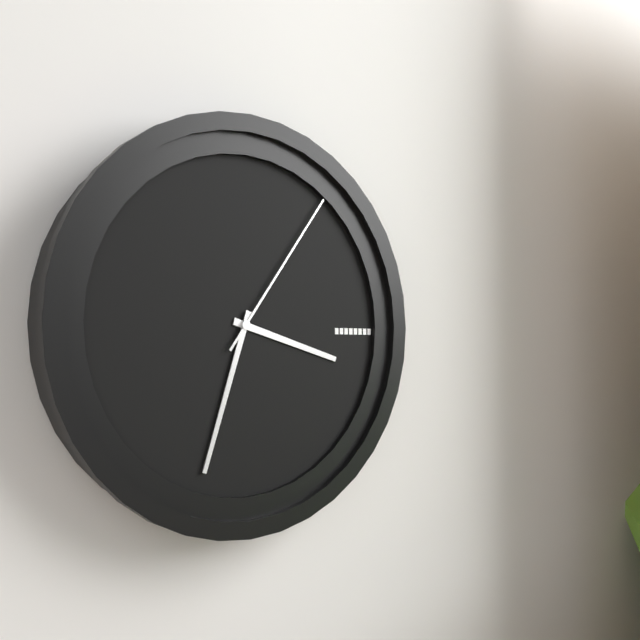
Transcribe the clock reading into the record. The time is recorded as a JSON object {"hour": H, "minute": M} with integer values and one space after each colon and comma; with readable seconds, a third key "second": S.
{"hour": 3, "minute": 33, "second": 6}
